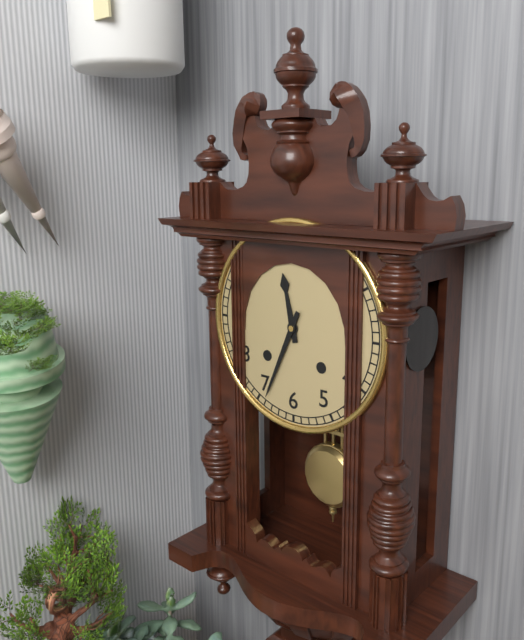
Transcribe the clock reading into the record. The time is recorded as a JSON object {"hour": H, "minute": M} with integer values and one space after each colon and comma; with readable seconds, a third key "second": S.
{"hour": 11, "minute": 34}
